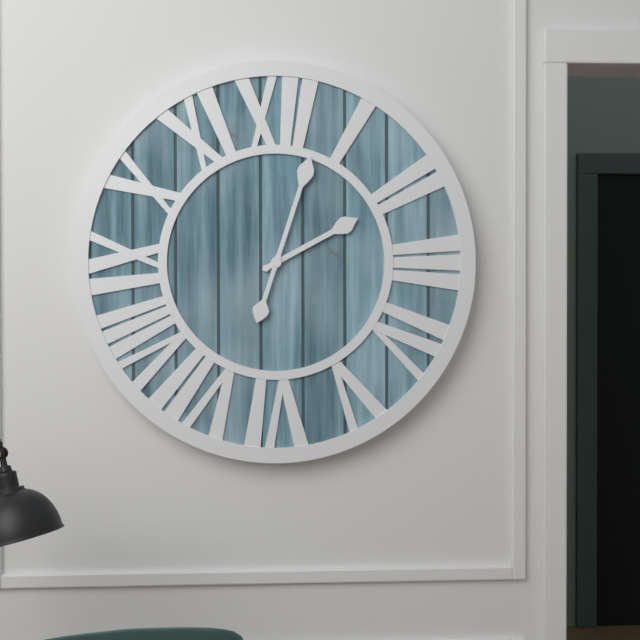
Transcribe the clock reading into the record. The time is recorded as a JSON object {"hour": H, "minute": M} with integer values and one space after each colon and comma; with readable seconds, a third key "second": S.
{"hour": 2, "minute": 3}
